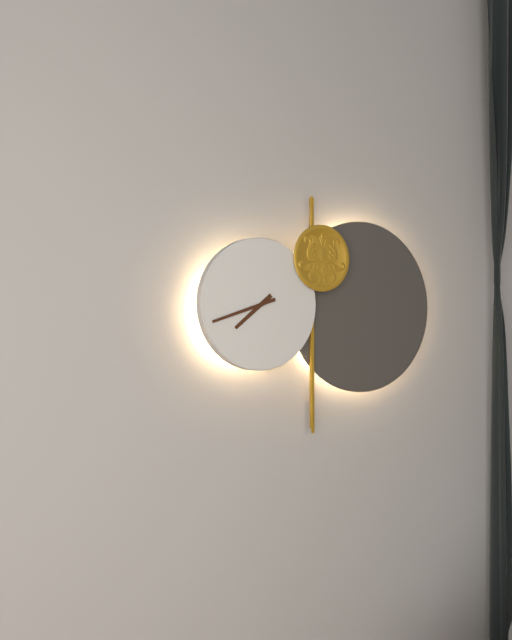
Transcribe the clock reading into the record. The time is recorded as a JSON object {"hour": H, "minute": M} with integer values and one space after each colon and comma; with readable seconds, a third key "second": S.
{"hour": 7, "minute": 42}
